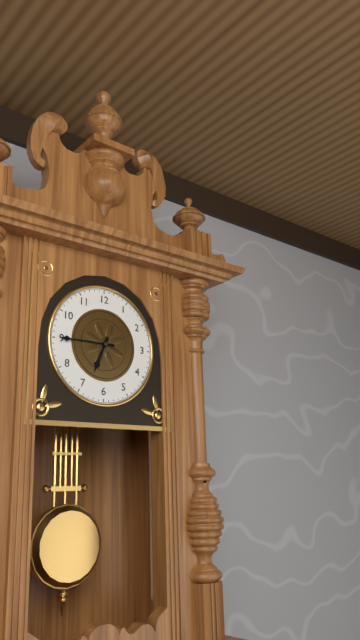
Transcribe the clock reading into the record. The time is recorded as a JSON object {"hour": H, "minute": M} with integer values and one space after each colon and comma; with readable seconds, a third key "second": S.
{"hour": 6, "minute": 45}
